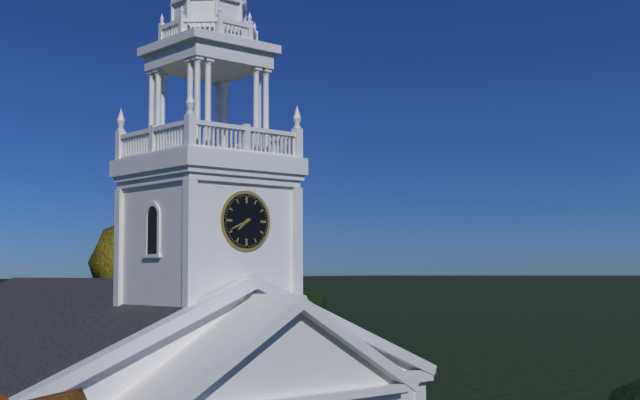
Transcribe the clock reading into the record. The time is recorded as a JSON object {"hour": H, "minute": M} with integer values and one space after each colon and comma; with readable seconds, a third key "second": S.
{"hour": 7, "minute": 41}
